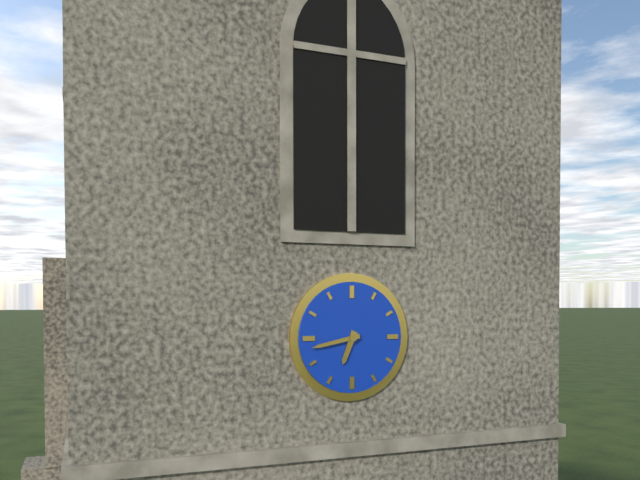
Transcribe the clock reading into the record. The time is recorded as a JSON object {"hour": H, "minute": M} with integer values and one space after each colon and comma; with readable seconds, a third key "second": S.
{"hour": 6, "minute": 43}
